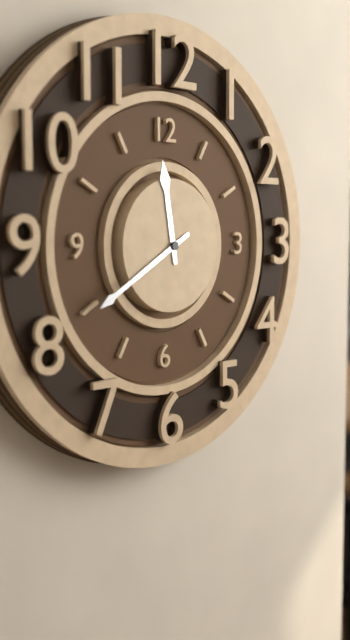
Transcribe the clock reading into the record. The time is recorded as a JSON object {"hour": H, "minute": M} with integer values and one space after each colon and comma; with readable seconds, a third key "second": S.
{"hour": 11, "minute": 40}
